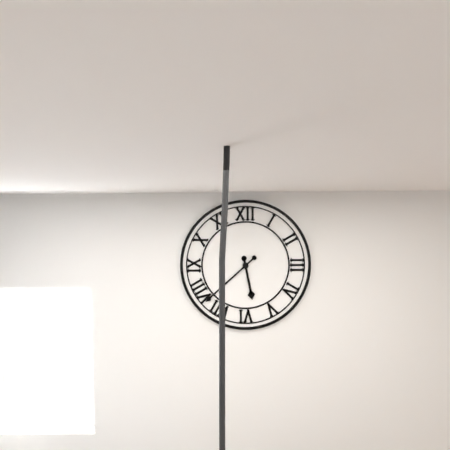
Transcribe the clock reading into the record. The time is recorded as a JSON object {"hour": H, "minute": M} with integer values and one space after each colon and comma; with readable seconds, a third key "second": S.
{"hour": 5, "minute": 38}
